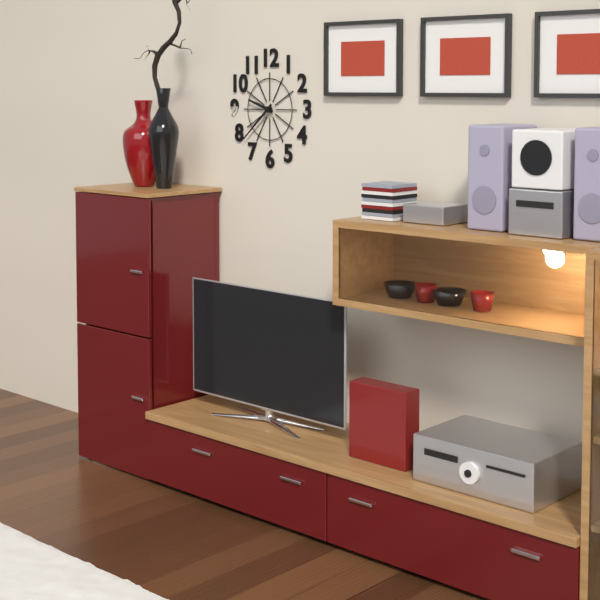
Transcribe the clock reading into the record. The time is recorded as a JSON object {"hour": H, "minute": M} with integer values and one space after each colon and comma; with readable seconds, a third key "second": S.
{"hour": 9, "minute": 38}
